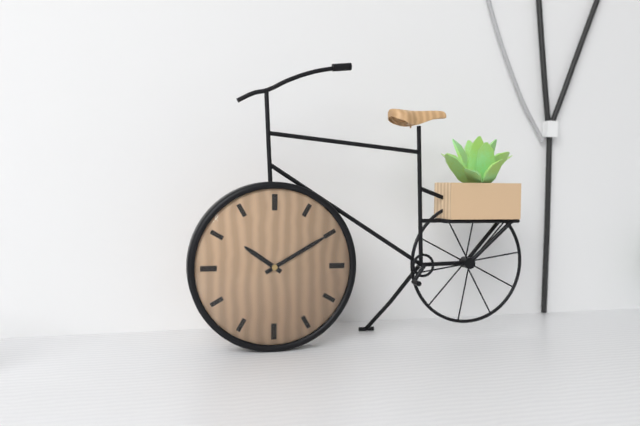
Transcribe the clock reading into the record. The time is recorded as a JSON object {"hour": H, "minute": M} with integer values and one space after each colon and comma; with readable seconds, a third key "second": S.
{"hour": 10, "minute": 10}
